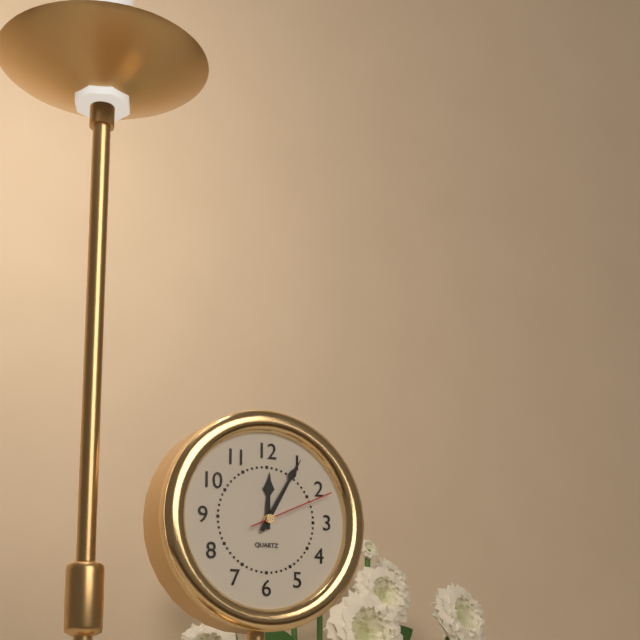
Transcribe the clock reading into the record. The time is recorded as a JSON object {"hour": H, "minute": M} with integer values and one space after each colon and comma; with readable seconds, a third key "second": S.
{"hour": 12, "minute": 5, "second": 11}
